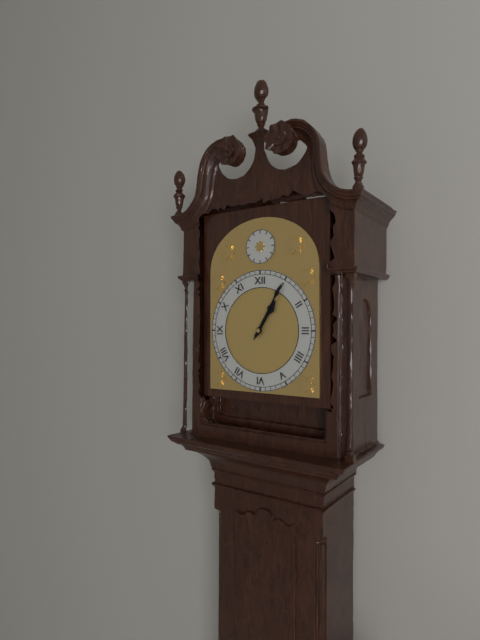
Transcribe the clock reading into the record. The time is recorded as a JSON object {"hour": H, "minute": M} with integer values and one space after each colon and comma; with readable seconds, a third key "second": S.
{"hour": 1, "minute": 5}
